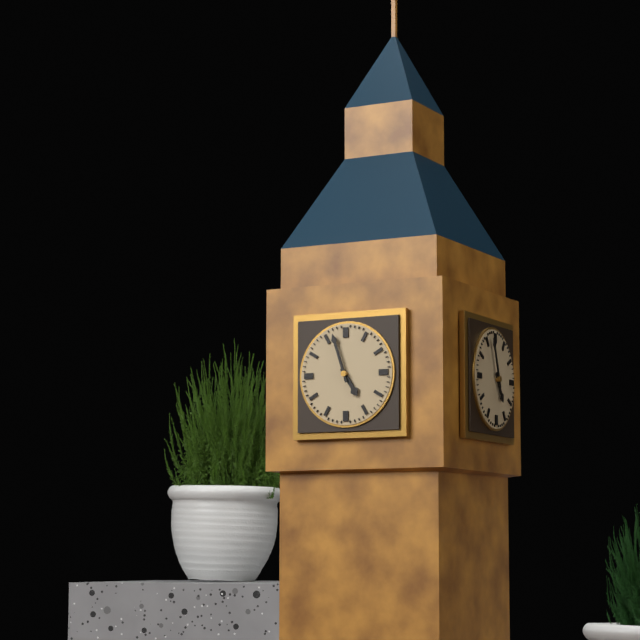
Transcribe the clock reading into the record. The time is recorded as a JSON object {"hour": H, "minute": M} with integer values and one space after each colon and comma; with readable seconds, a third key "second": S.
{"hour": 4, "minute": 57}
